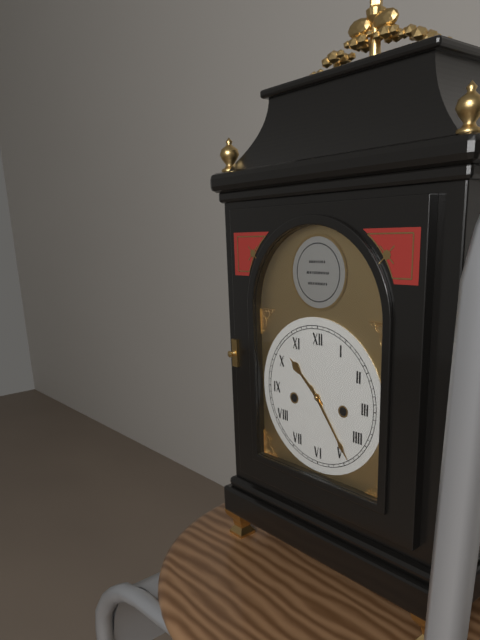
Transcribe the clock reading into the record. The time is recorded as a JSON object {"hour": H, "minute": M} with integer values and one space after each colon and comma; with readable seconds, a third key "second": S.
{"hour": 10, "minute": 24}
